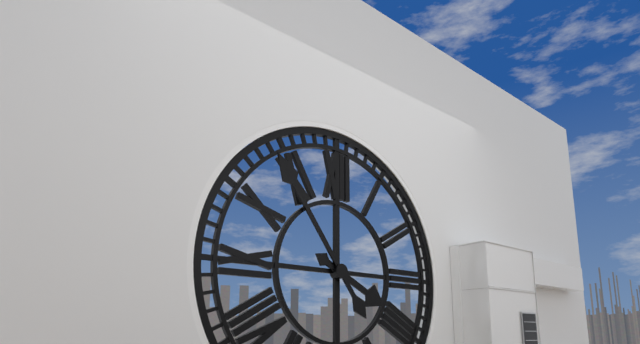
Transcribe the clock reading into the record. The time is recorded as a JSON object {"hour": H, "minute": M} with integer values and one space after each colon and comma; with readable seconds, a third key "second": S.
{"hour": 3, "minute": 54}
